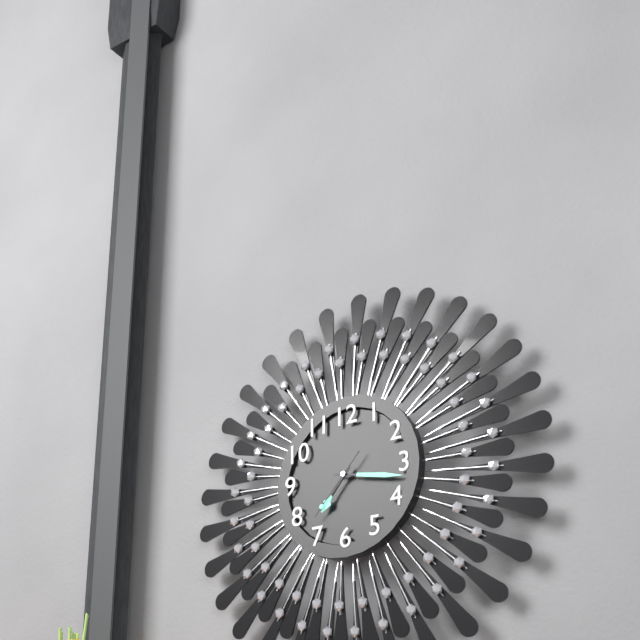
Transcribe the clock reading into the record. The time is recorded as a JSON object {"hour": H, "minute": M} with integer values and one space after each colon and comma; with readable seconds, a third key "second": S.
{"hour": 7, "minute": 17, "second": 37}
